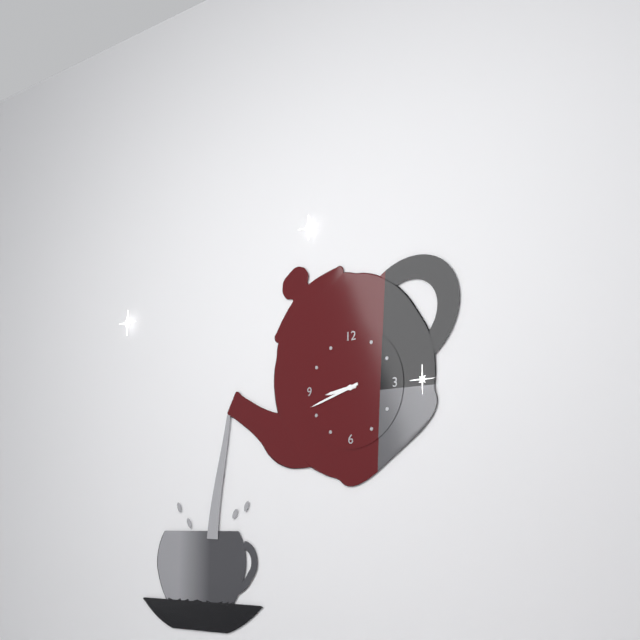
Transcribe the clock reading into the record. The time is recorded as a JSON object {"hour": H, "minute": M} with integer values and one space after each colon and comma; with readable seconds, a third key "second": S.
{"hour": 8, "minute": 42}
